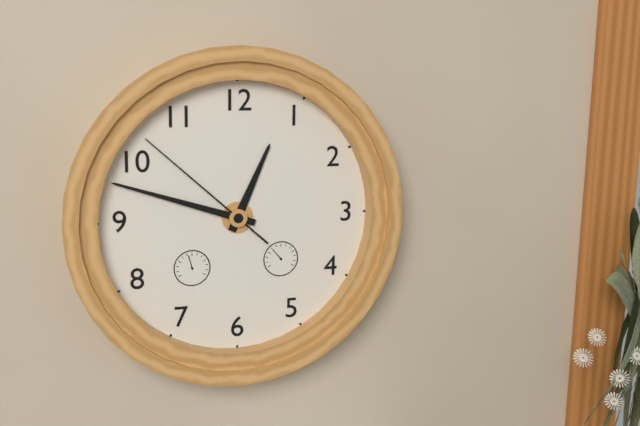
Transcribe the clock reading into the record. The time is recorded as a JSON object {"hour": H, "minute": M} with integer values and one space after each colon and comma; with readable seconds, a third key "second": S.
{"hour": 12, "minute": 48, "second": 52}
